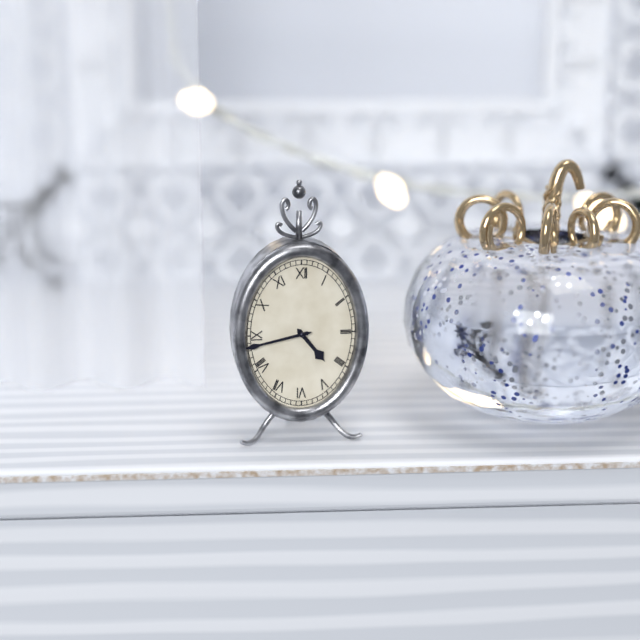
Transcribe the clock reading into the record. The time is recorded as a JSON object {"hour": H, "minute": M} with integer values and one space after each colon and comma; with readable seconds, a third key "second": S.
{"hour": 4, "minute": 43}
